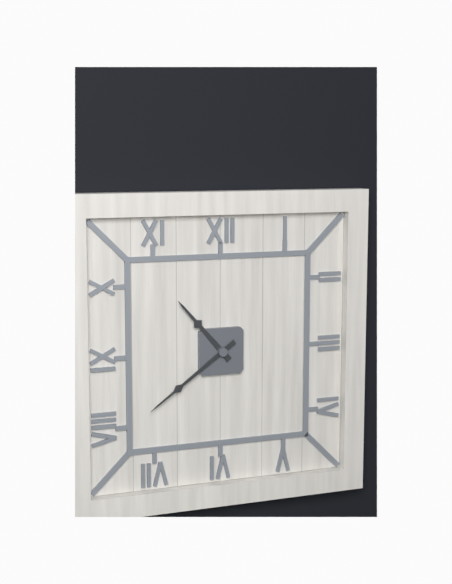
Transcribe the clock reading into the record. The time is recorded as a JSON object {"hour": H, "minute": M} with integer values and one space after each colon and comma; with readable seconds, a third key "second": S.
{"hour": 10, "minute": 39}
